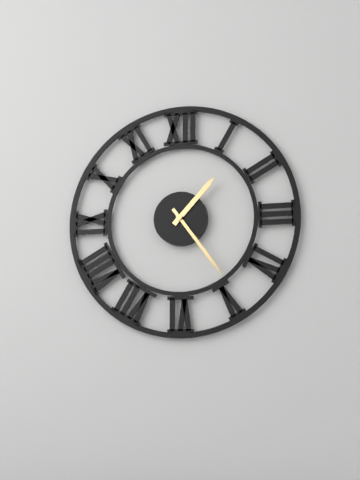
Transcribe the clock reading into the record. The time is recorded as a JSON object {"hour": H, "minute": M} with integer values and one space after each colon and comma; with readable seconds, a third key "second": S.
{"hour": 1, "minute": 24}
